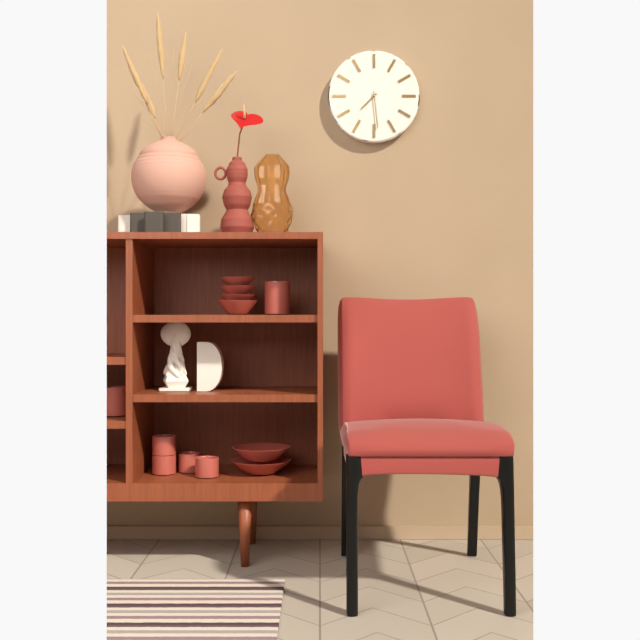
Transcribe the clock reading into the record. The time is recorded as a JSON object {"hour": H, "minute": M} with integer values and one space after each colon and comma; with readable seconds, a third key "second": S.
{"hour": 7, "minute": 29}
